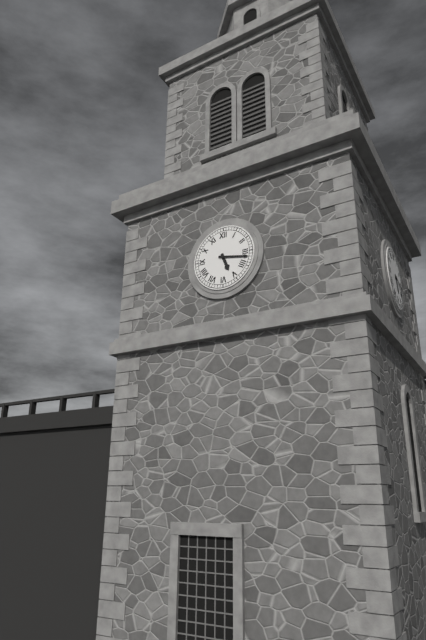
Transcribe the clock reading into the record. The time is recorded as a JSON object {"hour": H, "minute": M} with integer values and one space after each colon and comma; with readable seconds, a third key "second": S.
{"hour": 5, "minute": 17}
